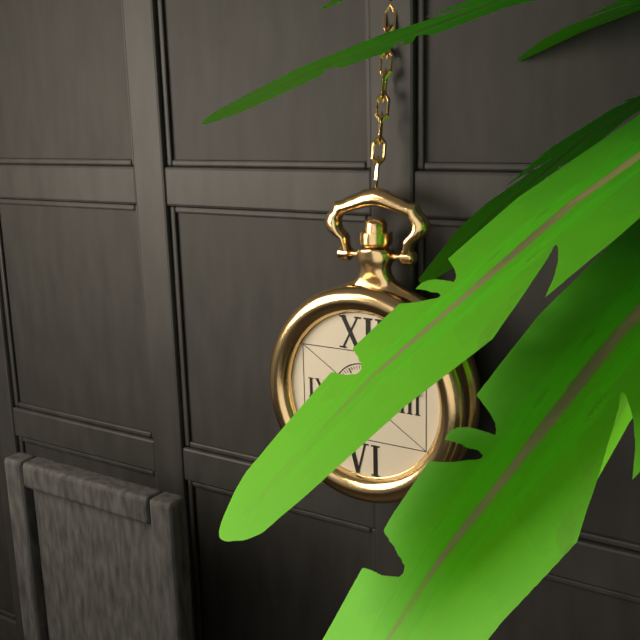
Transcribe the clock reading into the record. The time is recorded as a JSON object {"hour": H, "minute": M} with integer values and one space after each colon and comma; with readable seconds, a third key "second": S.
{"hour": 1, "minute": 13}
